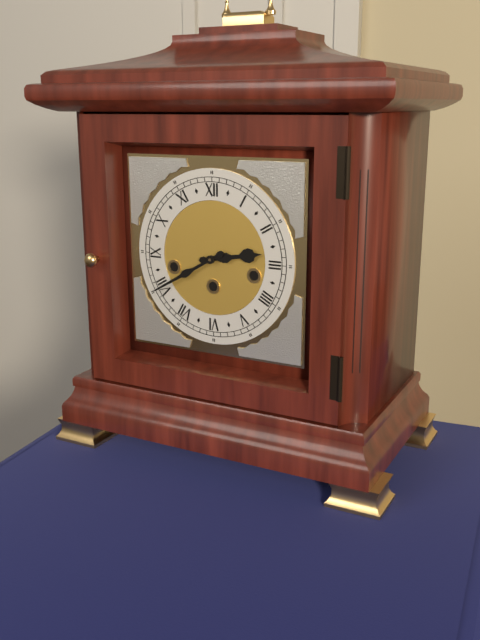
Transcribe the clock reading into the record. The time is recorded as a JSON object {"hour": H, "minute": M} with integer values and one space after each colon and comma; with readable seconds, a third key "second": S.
{"hour": 2, "minute": 40}
